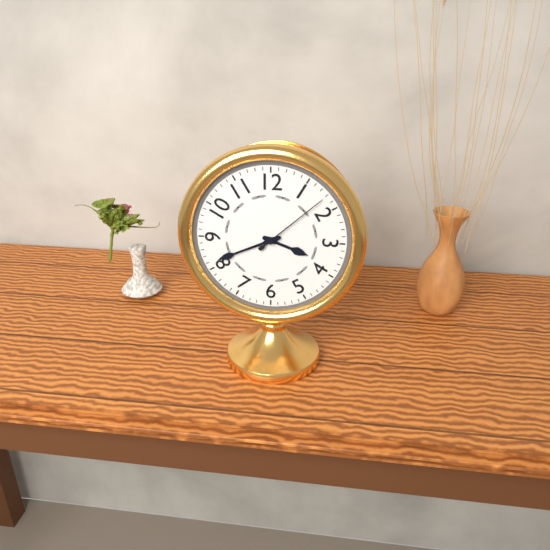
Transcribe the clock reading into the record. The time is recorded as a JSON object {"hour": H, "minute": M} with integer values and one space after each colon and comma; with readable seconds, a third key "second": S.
{"hour": 3, "minute": 41, "second": 8}
